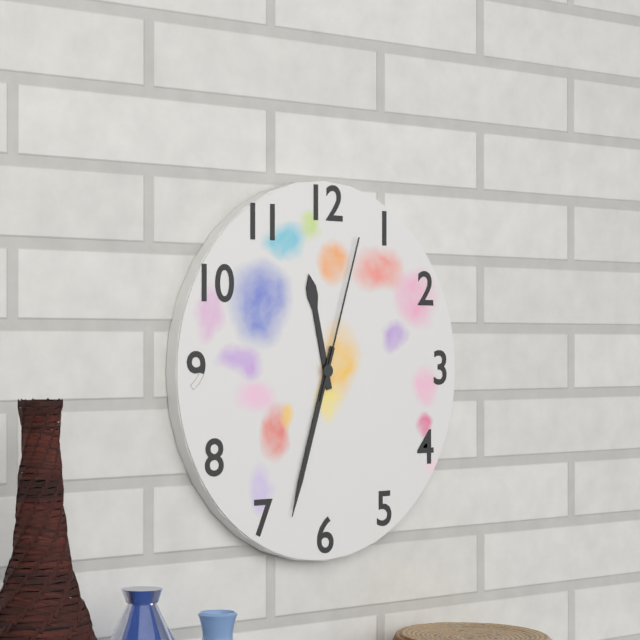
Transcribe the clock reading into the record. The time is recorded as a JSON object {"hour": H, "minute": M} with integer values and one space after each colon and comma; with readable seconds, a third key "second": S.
{"hour": 11, "minute": 33, "second": 3}
